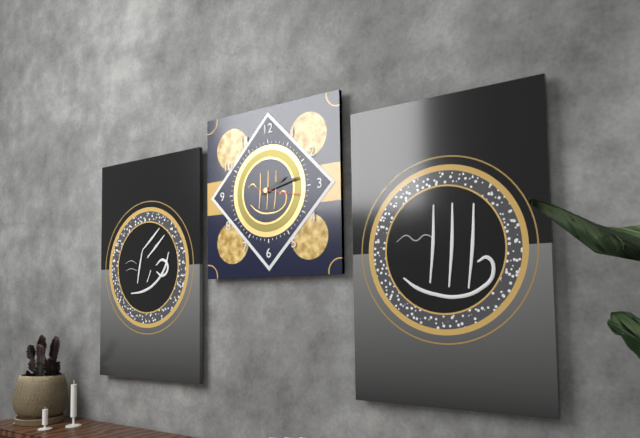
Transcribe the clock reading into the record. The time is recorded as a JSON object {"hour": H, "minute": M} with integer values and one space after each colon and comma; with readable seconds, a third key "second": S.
{"hour": 2, "minute": 13}
